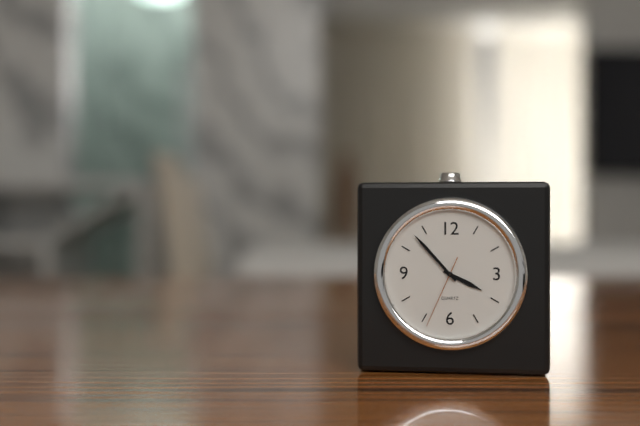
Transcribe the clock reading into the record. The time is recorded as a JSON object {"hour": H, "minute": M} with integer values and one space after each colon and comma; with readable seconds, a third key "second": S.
{"hour": 3, "minute": 53, "second": 34}
